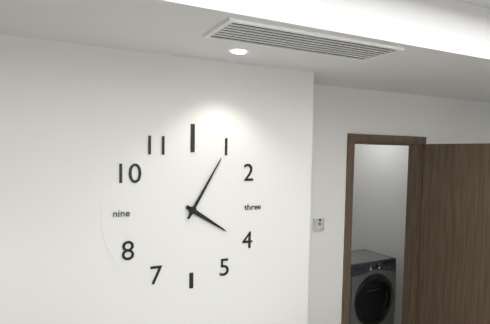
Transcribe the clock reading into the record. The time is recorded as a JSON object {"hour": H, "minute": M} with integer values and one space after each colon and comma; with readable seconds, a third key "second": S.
{"hour": 4, "minute": 5}
